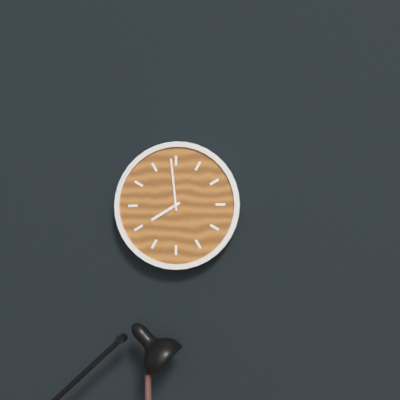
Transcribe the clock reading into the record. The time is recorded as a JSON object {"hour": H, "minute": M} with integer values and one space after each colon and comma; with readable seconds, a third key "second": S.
{"hour": 7, "minute": 59}
